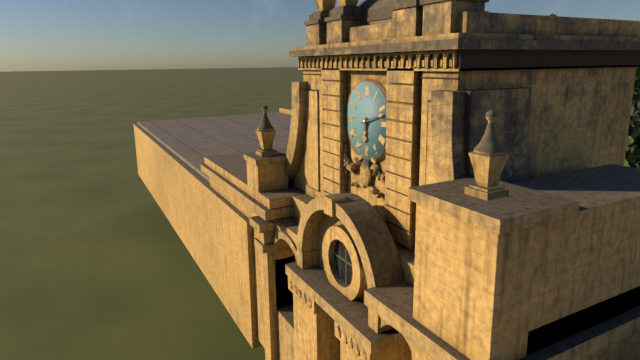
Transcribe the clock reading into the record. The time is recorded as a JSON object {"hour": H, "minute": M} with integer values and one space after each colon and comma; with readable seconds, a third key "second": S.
{"hour": 6, "minute": 12}
